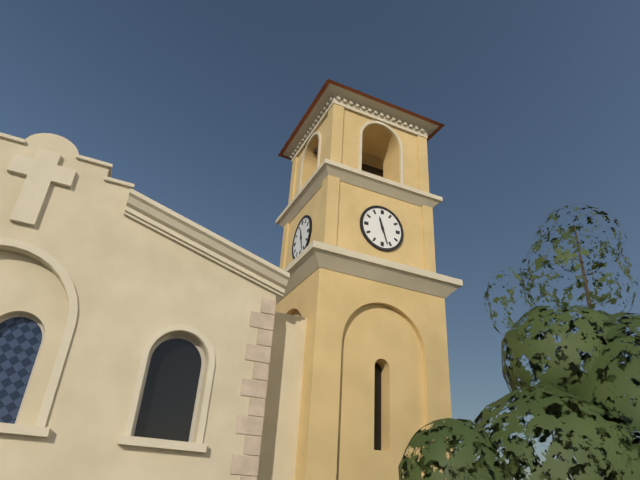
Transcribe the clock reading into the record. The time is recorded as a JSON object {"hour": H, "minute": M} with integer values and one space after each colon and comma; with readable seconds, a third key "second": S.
{"hour": 11, "minute": 27}
